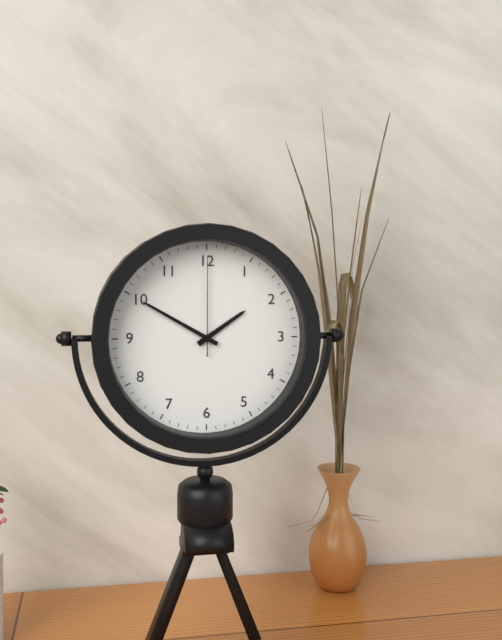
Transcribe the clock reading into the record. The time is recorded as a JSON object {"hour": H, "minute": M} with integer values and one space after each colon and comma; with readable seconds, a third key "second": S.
{"hour": 1, "minute": 50, "second": 0}
